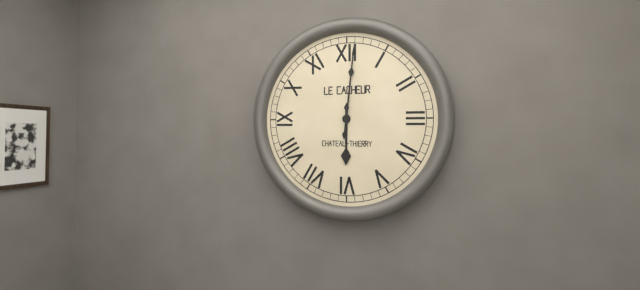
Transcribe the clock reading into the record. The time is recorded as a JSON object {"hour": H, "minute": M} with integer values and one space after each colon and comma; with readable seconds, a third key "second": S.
{"hour": 6, "minute": 1}
